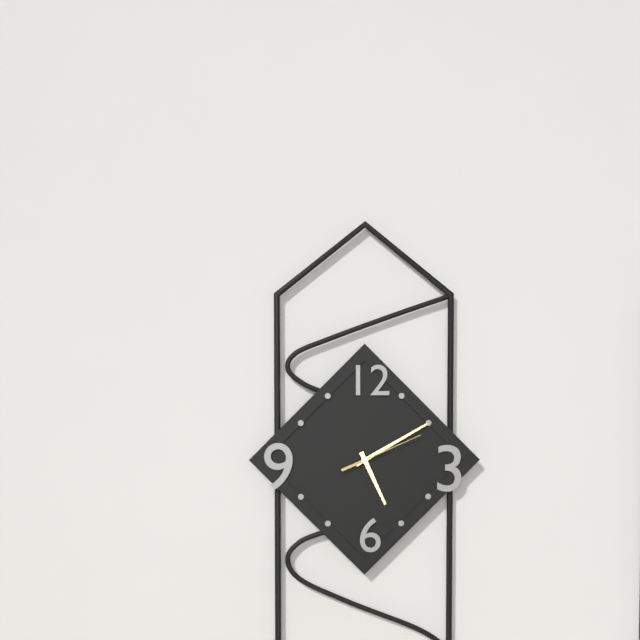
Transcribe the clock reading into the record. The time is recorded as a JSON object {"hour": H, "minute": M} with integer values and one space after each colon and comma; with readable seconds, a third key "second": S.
{"hour": 5, "minute": 10, "second": 11}
